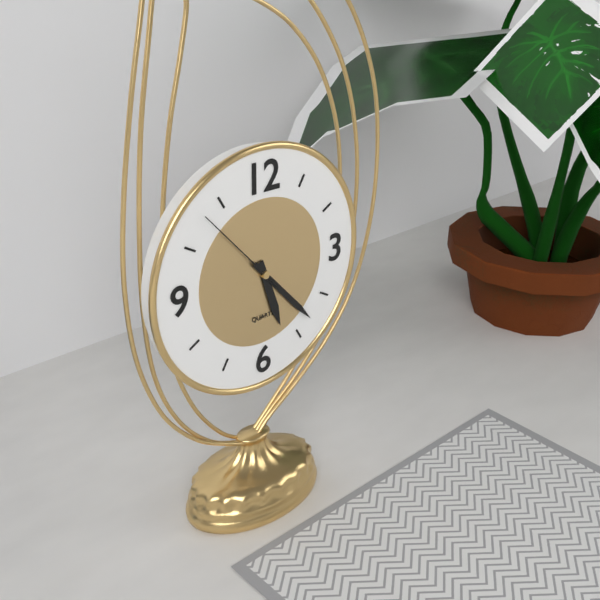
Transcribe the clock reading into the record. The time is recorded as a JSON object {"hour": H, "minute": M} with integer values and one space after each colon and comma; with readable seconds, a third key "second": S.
{"hour": 5, "minute": 23, "second": 53}
